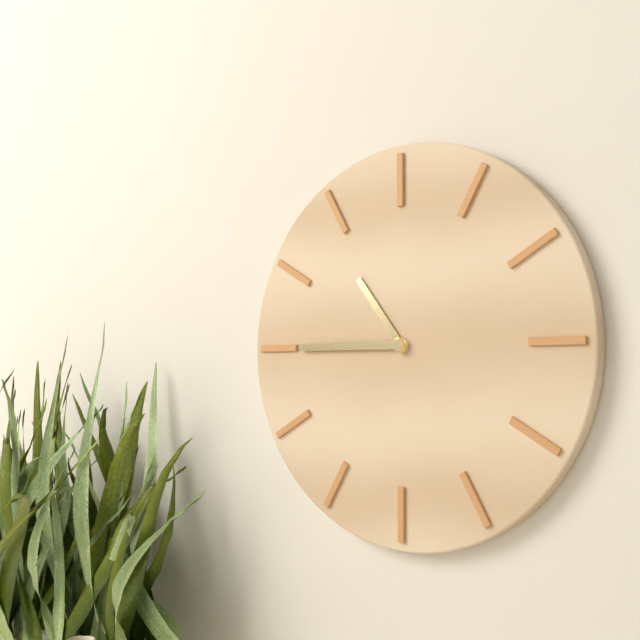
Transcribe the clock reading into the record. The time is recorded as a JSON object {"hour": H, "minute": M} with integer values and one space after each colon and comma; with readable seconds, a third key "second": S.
{"hour": 10, "minute": 45}
